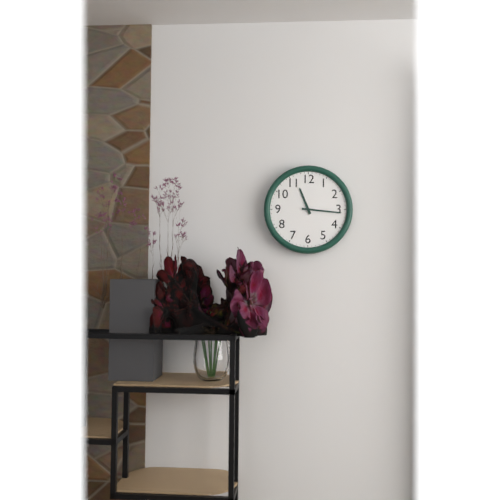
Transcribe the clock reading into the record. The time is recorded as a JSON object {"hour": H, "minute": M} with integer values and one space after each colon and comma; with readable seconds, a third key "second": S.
{"hour": 11, "minute": 16}
